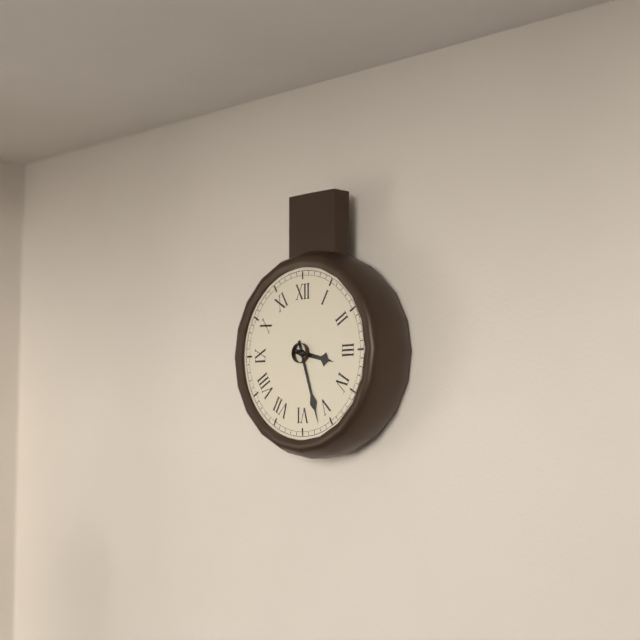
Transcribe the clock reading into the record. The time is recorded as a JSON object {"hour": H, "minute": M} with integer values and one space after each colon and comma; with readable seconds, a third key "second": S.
{"hour": 3, "minute": 27}
